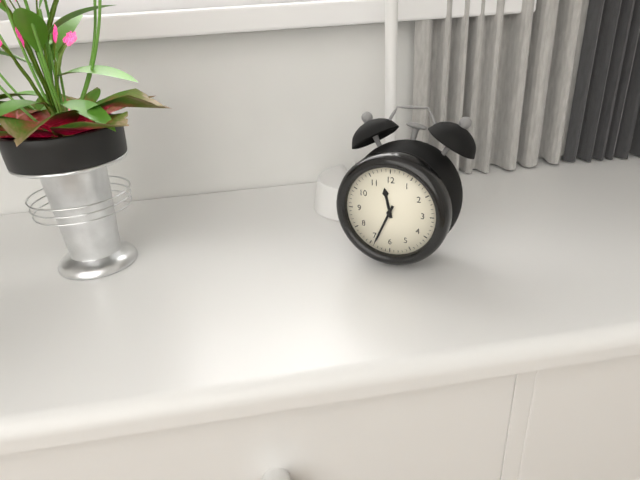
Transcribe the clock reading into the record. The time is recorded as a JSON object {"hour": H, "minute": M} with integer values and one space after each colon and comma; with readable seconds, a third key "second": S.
{"hour": 11, "minute": 34}
